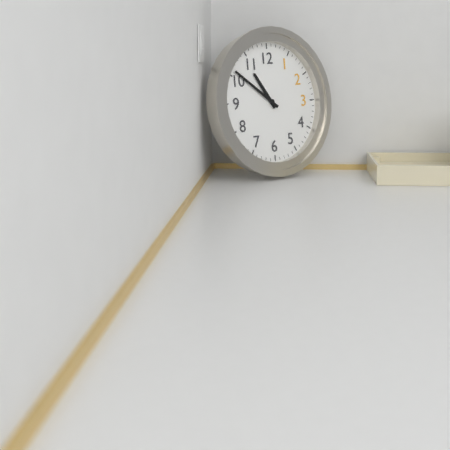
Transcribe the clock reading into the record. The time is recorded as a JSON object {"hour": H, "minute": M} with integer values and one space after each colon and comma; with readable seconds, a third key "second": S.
{"hour": 10, "minute": 51}
